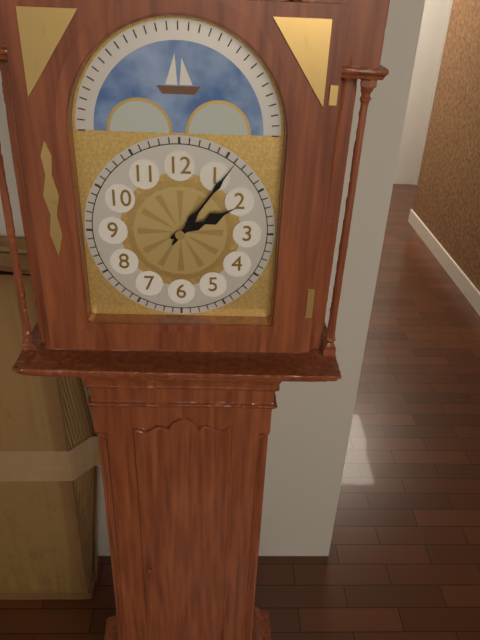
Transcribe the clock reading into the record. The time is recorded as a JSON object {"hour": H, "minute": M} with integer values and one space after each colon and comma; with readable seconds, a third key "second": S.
{"hour": 2, "minute": 6}
